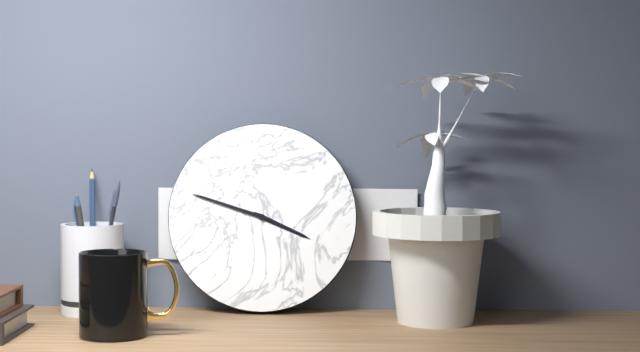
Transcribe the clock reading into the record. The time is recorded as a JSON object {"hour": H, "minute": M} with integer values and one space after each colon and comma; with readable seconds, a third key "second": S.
{"hour": 3, "minute": 48}
